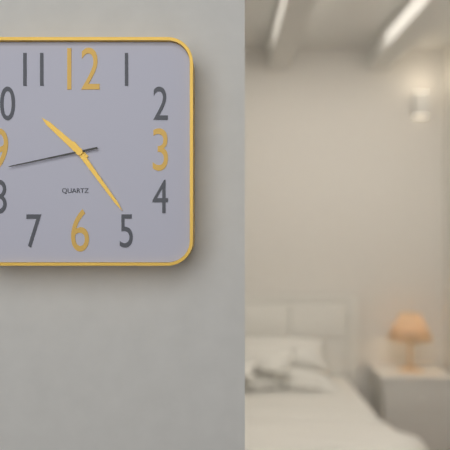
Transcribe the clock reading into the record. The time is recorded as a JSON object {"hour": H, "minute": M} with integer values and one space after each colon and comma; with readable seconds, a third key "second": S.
{"hour": 10, "minute": 24, "second": 43}
